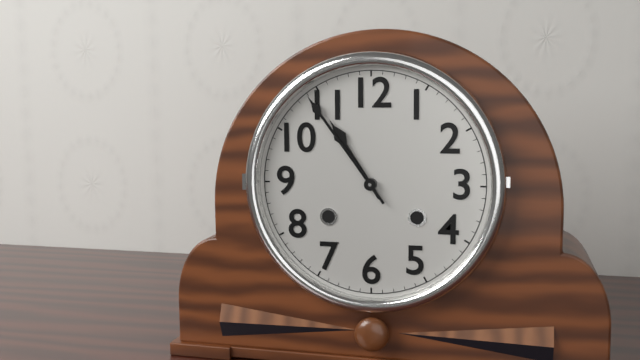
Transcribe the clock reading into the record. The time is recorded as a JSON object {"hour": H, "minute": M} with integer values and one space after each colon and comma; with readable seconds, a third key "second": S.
{"hour": 10, "minute": 54}
